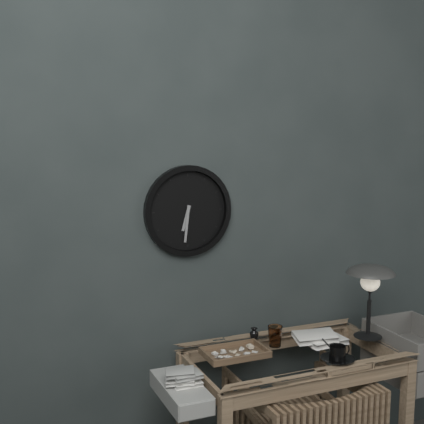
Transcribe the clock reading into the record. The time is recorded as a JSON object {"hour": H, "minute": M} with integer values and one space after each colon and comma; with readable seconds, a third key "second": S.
{"hour": 6, "minute": 31}
